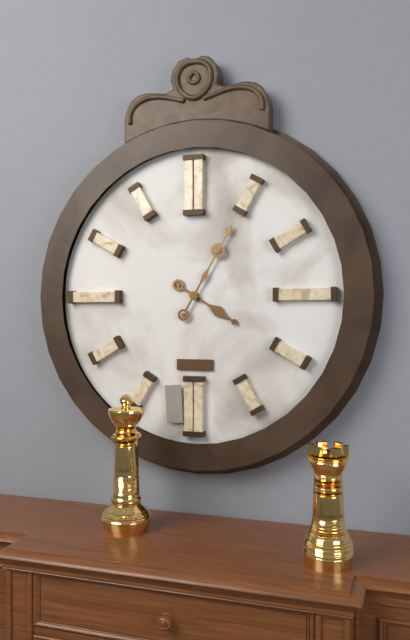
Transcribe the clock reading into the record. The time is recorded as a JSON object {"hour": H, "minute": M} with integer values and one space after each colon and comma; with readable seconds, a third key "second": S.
{"hour": 4, "minute": 5}
